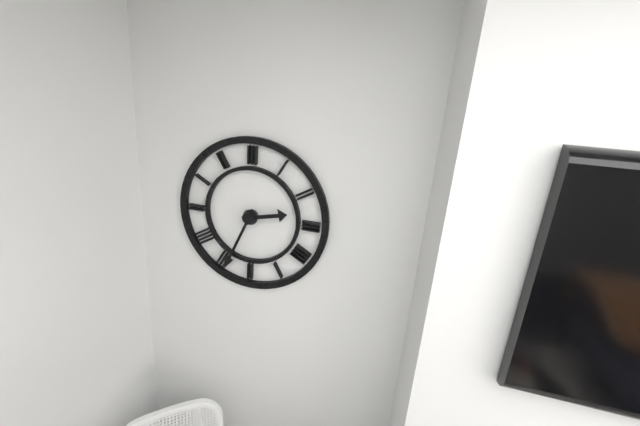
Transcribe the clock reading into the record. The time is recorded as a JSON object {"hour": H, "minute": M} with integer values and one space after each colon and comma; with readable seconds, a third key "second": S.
{"hour": 2, "minute": 34}
